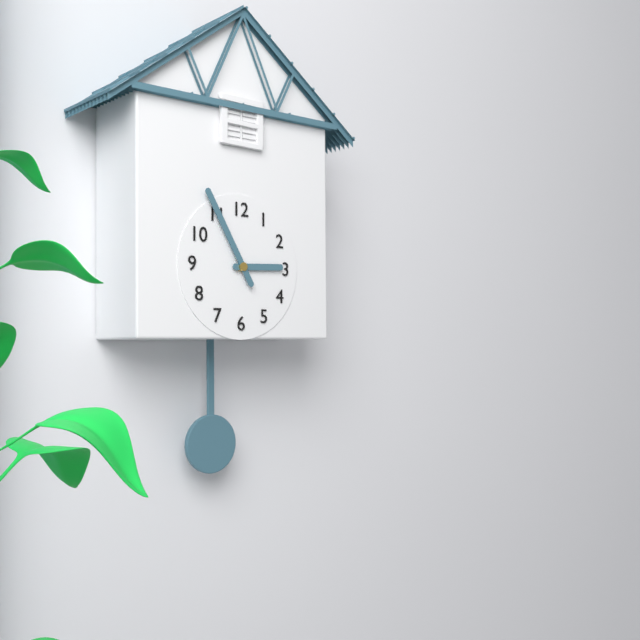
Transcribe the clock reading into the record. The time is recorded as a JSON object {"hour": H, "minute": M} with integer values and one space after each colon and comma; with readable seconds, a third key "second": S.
{"hour": 2, "minute": 55}
